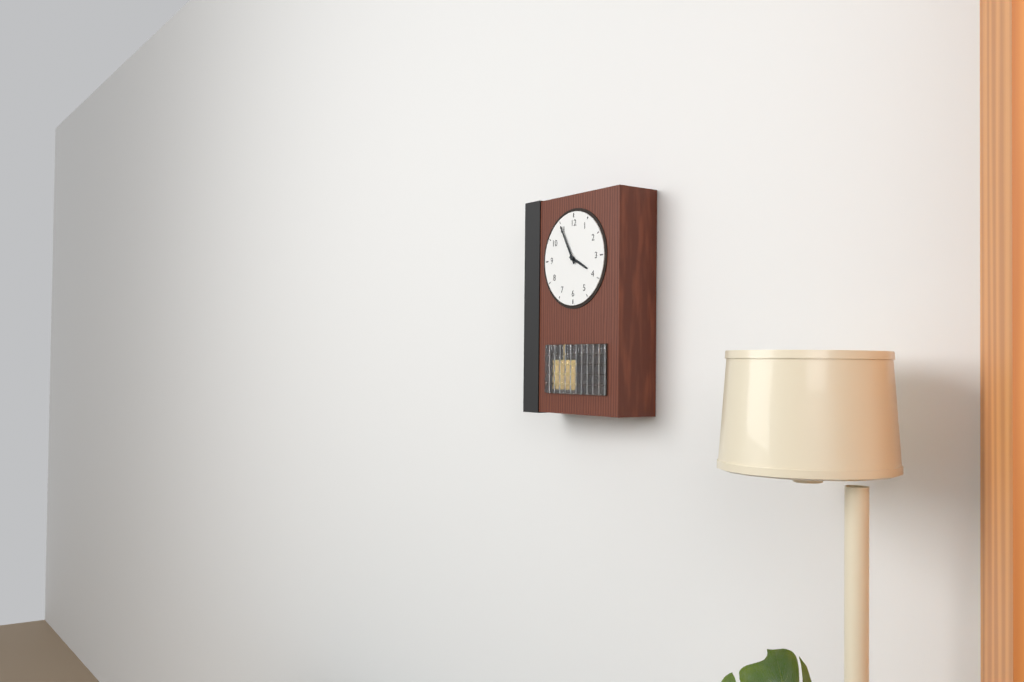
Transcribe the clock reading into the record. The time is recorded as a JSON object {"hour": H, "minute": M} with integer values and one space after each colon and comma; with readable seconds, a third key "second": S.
{"hour": 3, "minute": 55}
